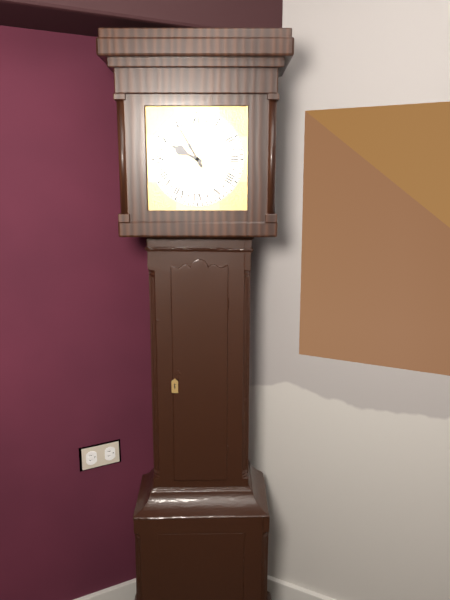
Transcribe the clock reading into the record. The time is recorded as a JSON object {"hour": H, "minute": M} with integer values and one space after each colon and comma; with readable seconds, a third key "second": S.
{"hour": 9, "minute": 55}
